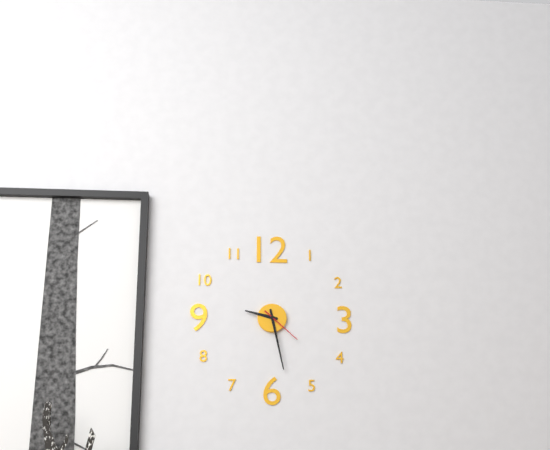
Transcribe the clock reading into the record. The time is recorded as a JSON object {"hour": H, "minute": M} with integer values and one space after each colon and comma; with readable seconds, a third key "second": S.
{"hour": 9, "minute": 28}
